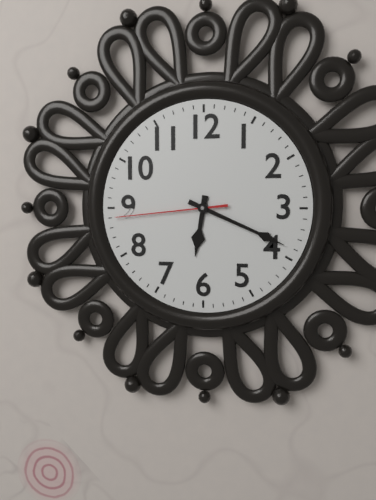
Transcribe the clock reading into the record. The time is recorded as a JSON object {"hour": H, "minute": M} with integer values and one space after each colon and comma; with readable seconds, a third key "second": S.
{"hour": 6, "minute": 19, "second": 44}
